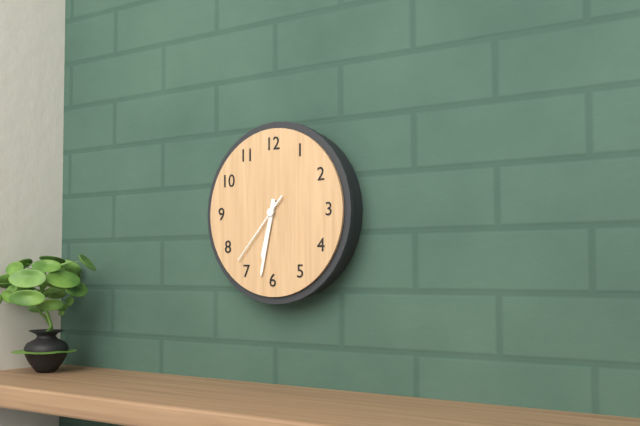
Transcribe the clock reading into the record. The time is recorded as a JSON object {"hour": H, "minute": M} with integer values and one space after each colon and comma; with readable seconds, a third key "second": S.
{"hour": 6, "minute": 32, "second": 37}
